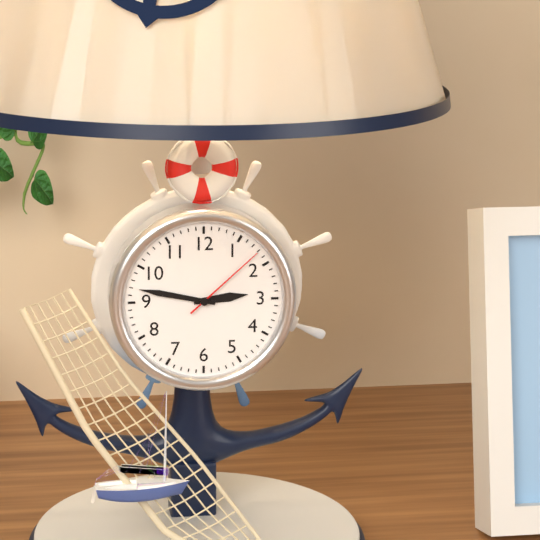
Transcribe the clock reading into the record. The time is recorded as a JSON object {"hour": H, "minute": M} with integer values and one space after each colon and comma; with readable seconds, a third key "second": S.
{"hour": 2, "minute": 47, "second": 8}
